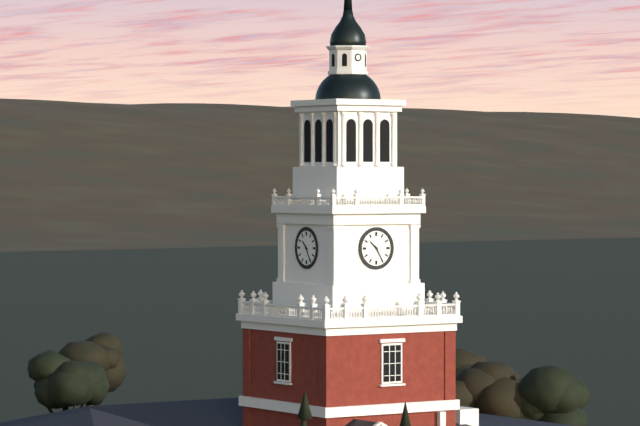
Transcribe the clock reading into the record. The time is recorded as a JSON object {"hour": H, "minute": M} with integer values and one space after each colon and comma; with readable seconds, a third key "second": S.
{"hour": 10, "minute": 25}
